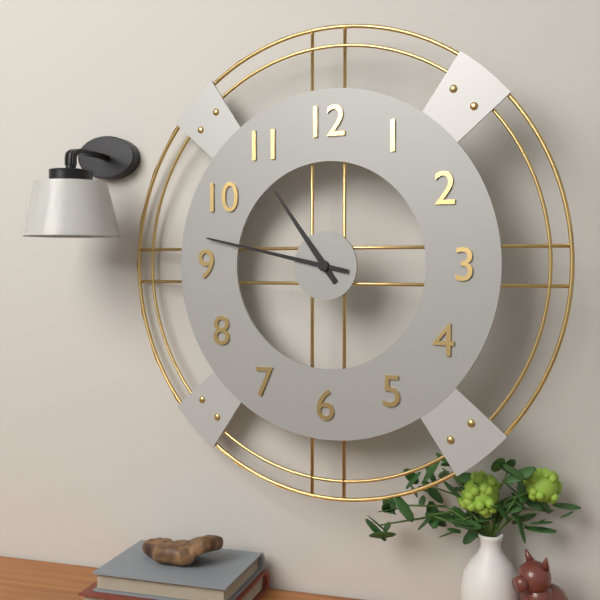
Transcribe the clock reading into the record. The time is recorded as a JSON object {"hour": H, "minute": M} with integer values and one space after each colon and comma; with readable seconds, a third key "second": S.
{"hour": 10, "minute": 47}
